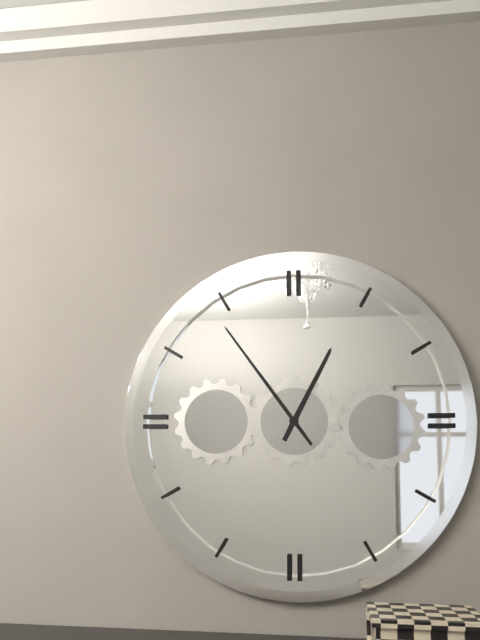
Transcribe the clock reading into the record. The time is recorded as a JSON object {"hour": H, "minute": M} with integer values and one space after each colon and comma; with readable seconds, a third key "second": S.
{"hour": 12, "minute": 54}
